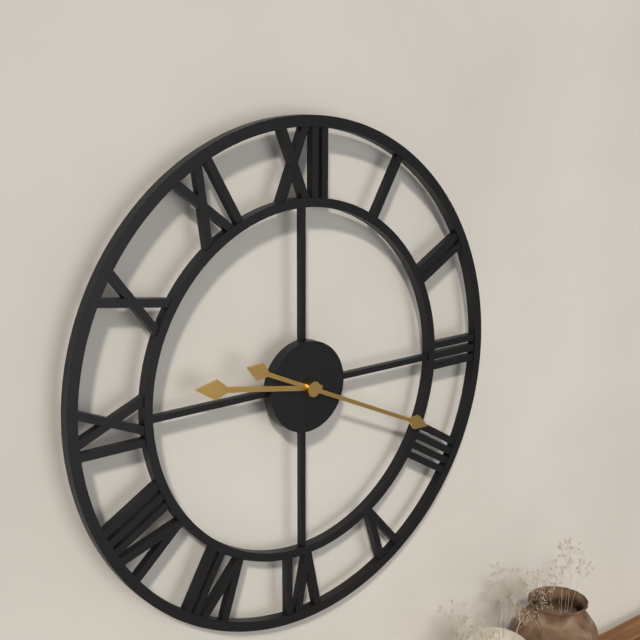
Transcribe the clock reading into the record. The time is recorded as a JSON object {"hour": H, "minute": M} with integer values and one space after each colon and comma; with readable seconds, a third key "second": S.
{"hour": 9, "minute": 19}
